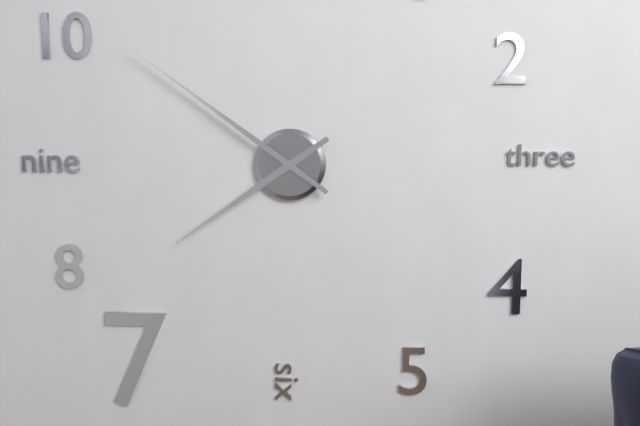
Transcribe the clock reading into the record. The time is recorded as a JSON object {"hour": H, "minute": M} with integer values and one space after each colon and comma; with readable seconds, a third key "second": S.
{"hour": 7, "minute": 51}
